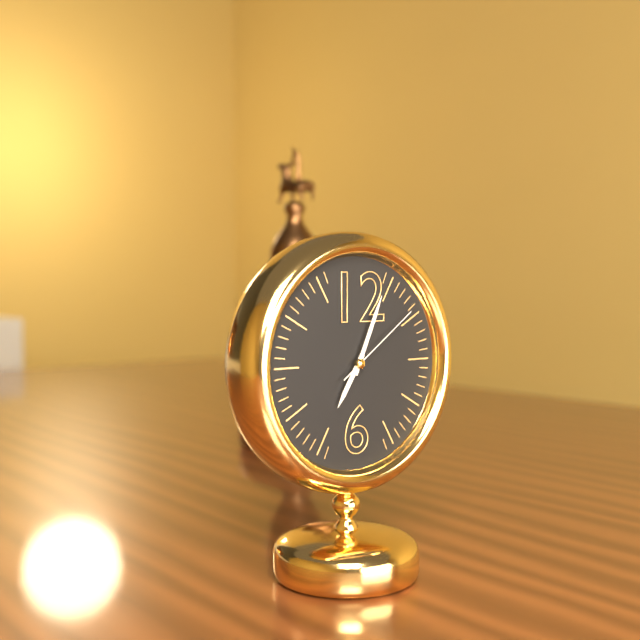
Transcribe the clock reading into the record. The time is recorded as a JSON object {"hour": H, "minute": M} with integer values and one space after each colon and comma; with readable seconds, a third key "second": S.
{"hour": 7, "minute": 4, "second": 9}
